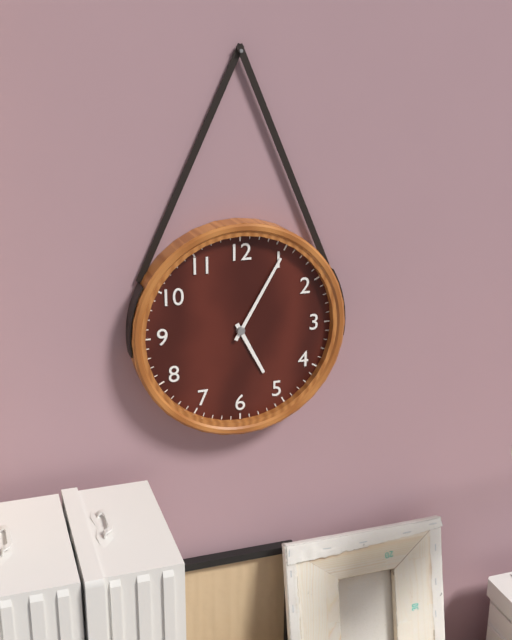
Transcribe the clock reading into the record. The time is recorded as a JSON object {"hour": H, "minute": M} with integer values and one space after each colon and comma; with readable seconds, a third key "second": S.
{"hour": 5, "minute": 5}
